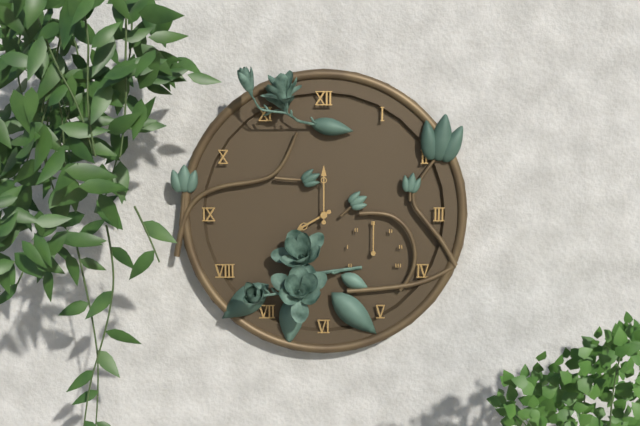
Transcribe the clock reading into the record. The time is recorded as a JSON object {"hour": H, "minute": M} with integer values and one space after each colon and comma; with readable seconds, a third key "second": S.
{"hour": 8, "minute": 0}
